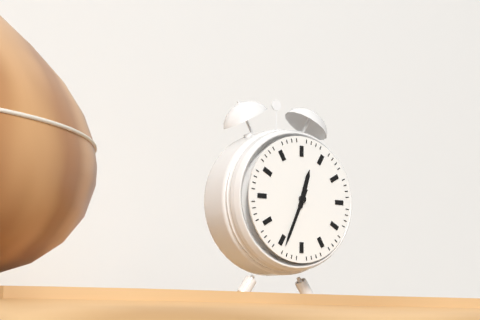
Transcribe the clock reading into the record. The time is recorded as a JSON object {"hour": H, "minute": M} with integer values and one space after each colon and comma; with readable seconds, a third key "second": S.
{"hour": 12, "minute": 34}
